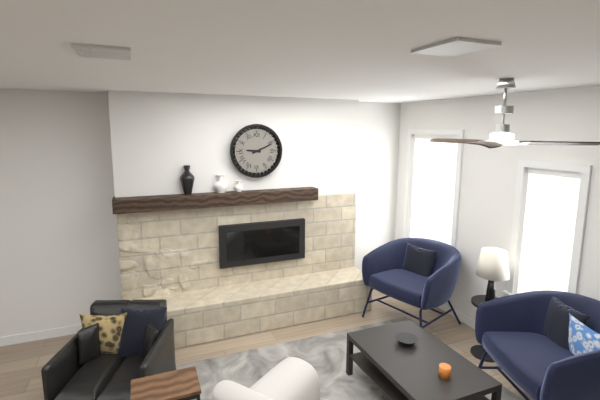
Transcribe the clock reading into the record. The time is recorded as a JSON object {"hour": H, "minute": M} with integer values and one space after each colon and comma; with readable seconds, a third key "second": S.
{"hour": 9, "minute": 11}
